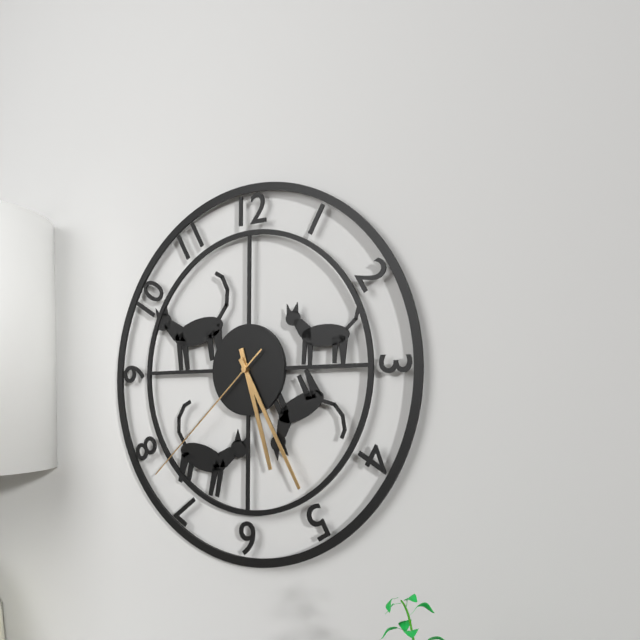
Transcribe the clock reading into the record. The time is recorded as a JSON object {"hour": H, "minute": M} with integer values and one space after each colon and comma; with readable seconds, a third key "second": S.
{"hour": 5, "minute": 25, "second": 38}
